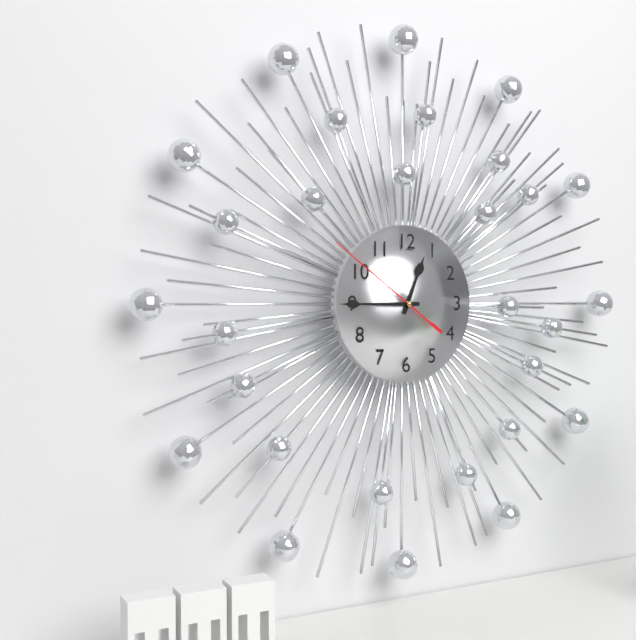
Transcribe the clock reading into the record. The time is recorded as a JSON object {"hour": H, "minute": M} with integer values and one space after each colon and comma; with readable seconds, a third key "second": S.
{"hour": 12, "minute": 45, "second": 51}
